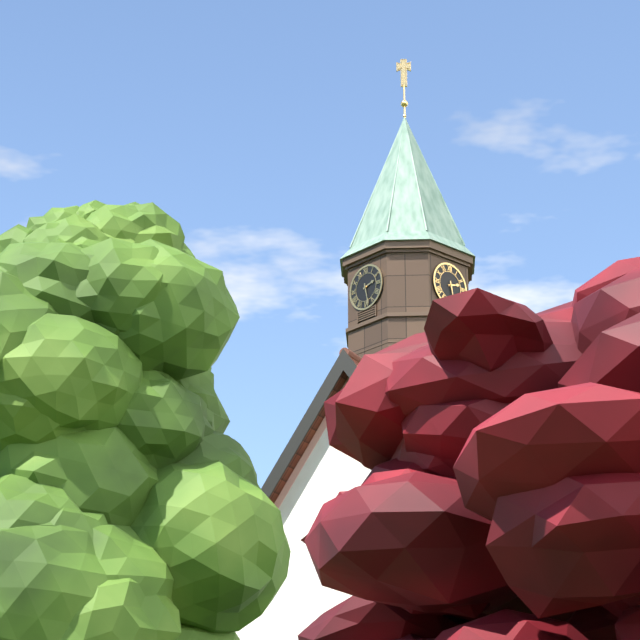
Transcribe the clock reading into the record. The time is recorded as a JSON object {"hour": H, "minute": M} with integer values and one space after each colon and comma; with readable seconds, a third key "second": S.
{"hour": 2, "minute": 28}
